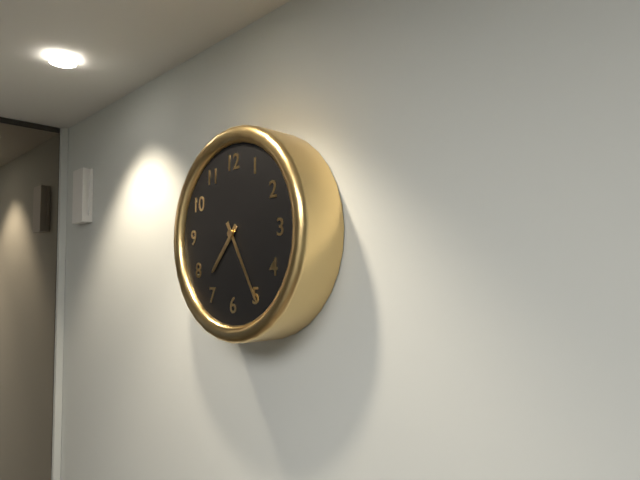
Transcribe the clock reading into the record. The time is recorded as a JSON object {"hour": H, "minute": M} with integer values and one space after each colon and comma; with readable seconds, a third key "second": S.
{"hour": 7, "minute": 25}
